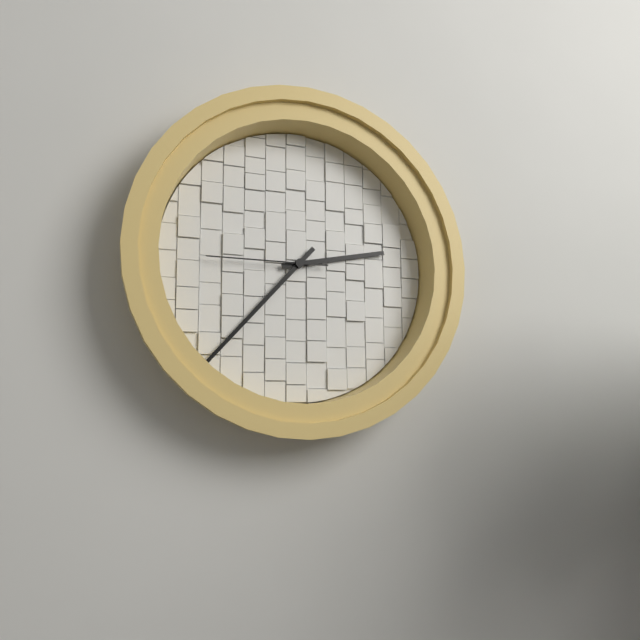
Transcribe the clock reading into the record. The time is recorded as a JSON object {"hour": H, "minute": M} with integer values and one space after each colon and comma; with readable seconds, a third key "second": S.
{"hour": 2, "minute": 37, "second": 45}
